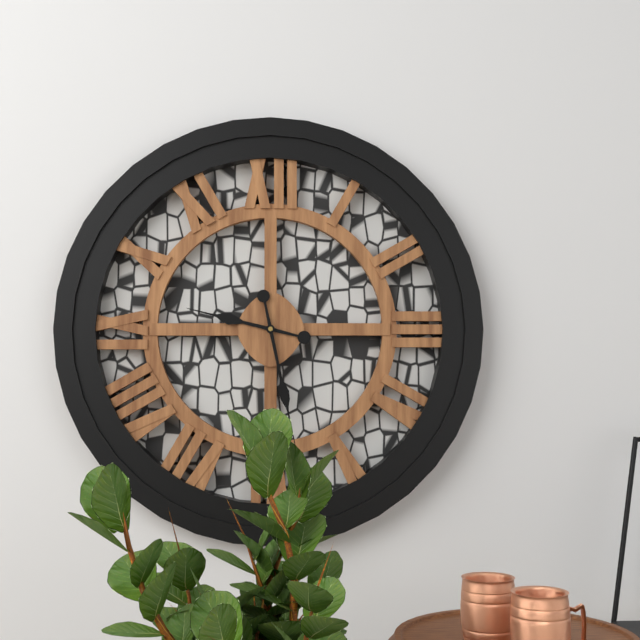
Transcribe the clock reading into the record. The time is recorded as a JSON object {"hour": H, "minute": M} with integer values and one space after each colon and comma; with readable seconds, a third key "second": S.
{"hour": 9, "minute": 28}
